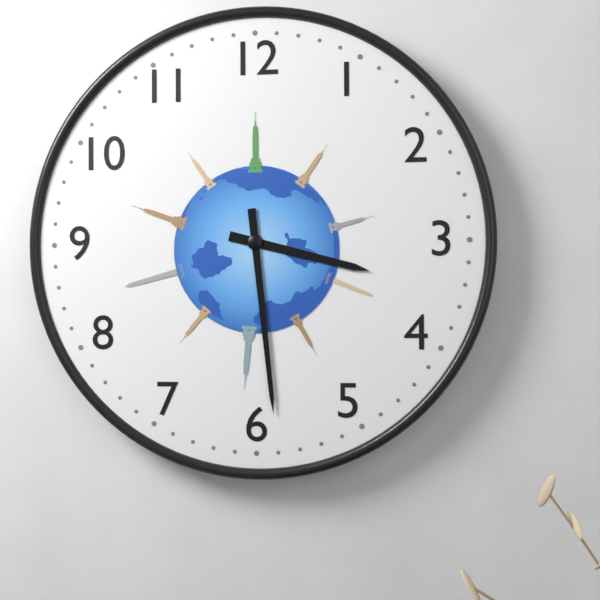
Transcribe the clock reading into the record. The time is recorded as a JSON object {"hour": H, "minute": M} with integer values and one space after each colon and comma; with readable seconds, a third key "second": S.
{"hour": 3, "minute": 29}
